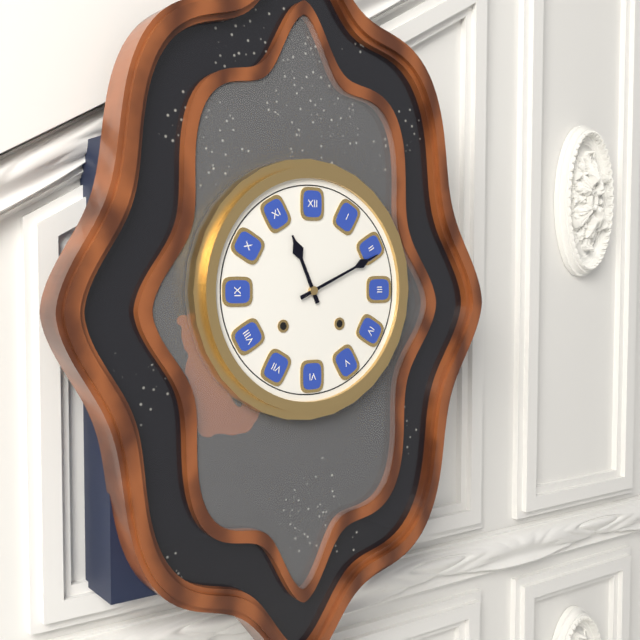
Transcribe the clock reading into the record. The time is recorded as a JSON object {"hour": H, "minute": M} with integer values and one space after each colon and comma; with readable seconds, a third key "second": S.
{"hour": 11, "minute": 11}
